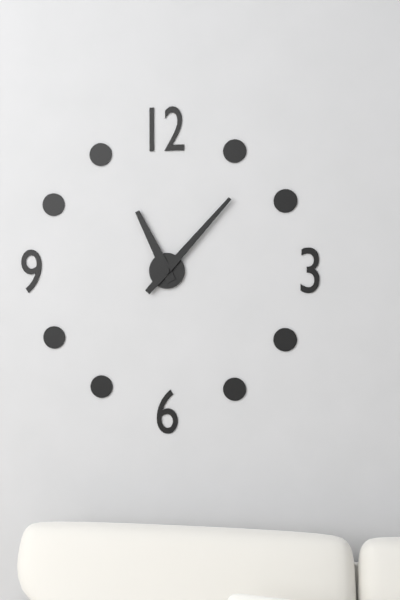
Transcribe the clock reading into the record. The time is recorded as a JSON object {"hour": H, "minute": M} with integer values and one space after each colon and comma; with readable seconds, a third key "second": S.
{"hour": 11, "minute": 7}
